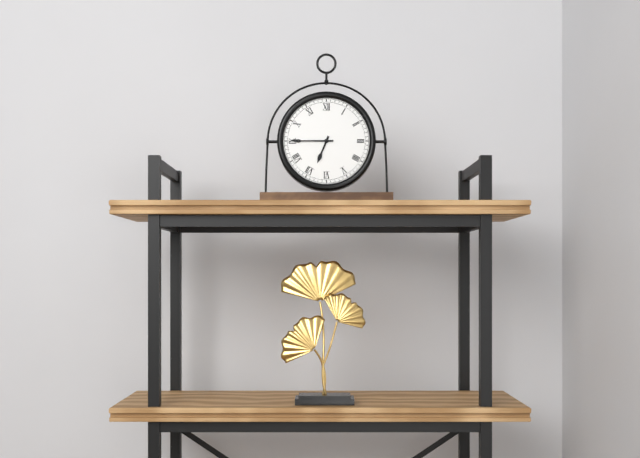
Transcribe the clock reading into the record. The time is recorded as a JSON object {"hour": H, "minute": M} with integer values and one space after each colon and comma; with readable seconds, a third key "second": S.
{"hour": 6, "minute": 45}
